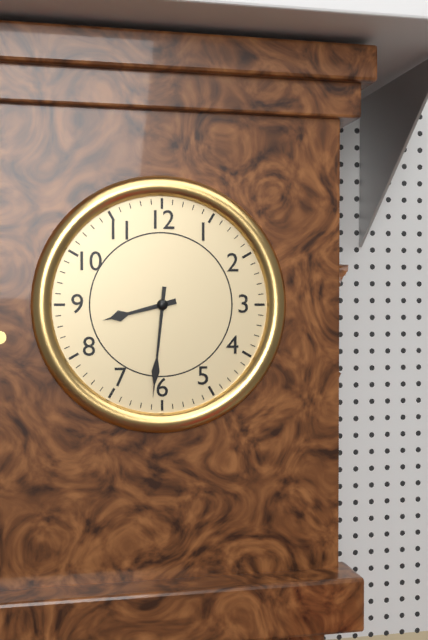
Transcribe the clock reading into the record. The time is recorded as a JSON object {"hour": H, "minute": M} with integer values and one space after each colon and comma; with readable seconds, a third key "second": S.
{"hour": 8, "minute": 31}
